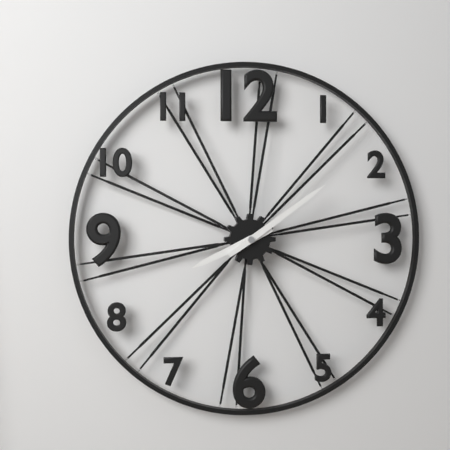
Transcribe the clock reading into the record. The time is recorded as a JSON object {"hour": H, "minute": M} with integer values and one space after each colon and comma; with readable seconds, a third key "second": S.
{"hour": 8, "minute": 9}
